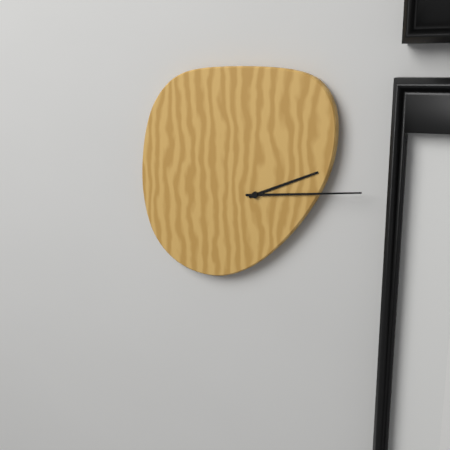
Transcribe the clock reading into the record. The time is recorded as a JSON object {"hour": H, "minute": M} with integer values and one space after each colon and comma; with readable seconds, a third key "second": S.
{"hour": 2, "minute": 14}
